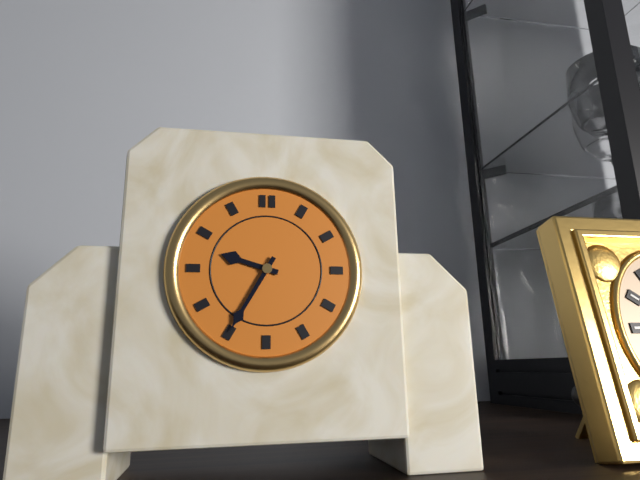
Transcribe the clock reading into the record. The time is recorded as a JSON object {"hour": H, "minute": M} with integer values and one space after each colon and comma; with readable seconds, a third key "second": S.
{"hour": 9, "minute": 35}
